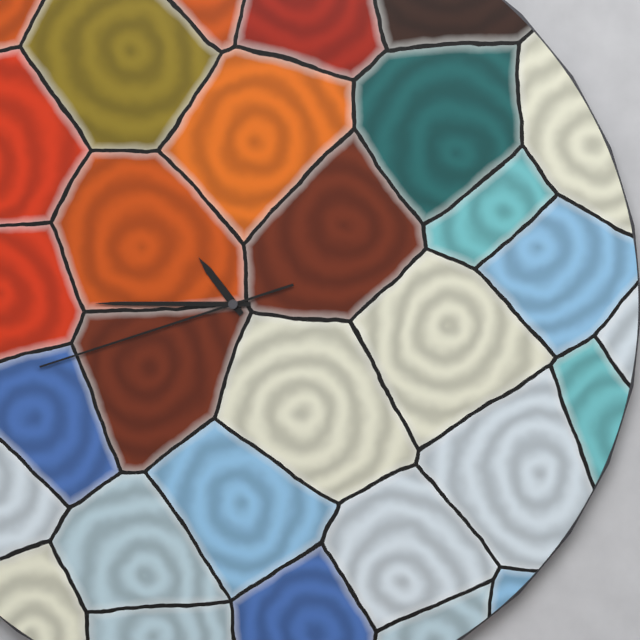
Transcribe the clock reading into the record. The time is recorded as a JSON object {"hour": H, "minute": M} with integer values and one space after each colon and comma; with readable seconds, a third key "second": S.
{"hour": 10, "minute": 45, "second": 42}
